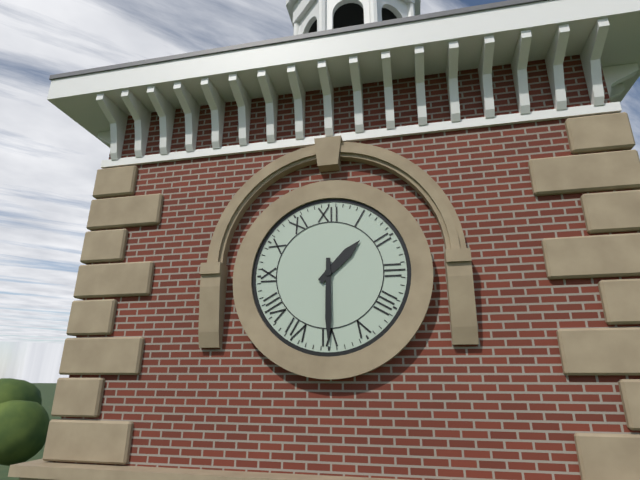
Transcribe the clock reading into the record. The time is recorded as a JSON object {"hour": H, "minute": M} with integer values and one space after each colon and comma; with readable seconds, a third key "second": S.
{"hour": 1, "minute": 30}
